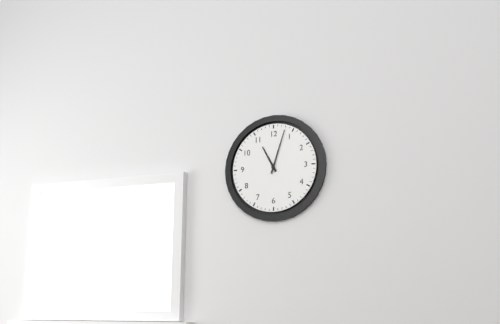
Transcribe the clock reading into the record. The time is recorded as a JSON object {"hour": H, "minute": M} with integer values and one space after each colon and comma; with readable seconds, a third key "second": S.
{"hour": 11, "minute": 3}
